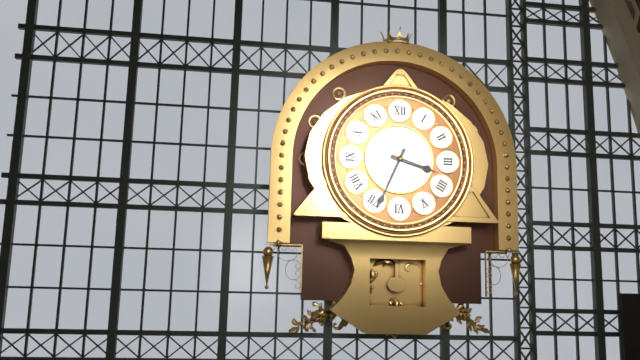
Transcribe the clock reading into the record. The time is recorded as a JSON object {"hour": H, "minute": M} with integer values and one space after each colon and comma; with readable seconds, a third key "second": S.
{"hour": 3, "minute": 34}
